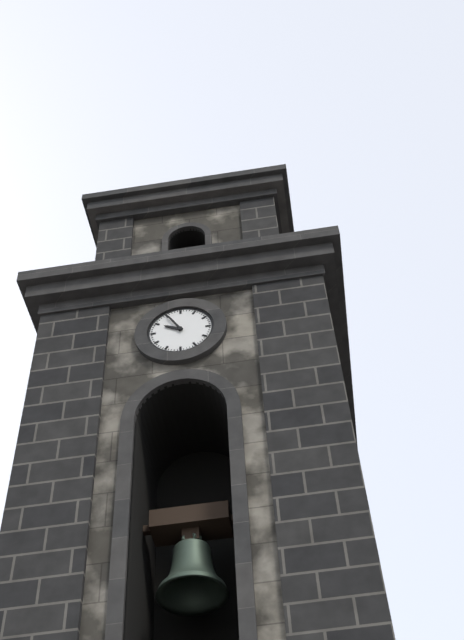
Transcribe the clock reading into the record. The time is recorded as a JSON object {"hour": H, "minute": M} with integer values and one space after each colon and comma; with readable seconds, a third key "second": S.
{"hour": 9, "minute": 55}
